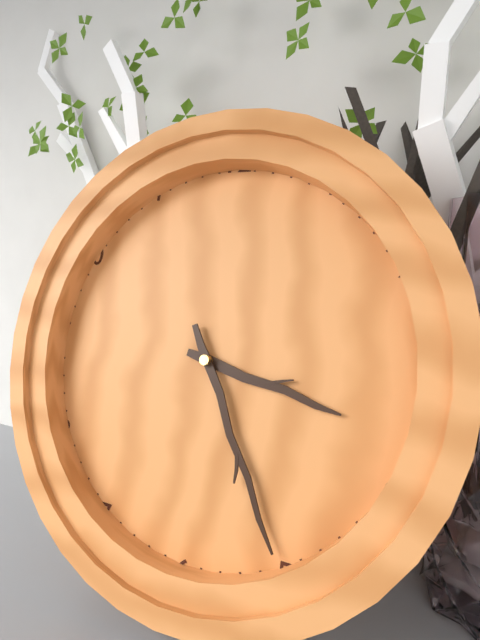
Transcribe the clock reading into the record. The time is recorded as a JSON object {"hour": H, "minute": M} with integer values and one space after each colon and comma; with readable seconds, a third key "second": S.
{"hour": 3, "minute": 25}
